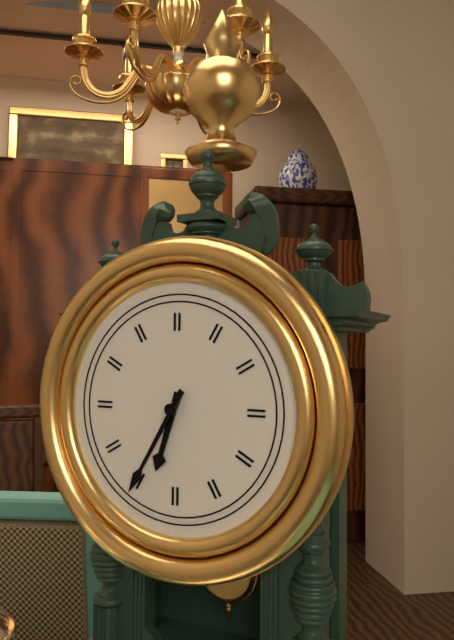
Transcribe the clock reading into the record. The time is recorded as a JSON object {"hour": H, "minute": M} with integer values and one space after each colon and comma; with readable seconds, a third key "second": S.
{"hour": 6, "minute": 35}
